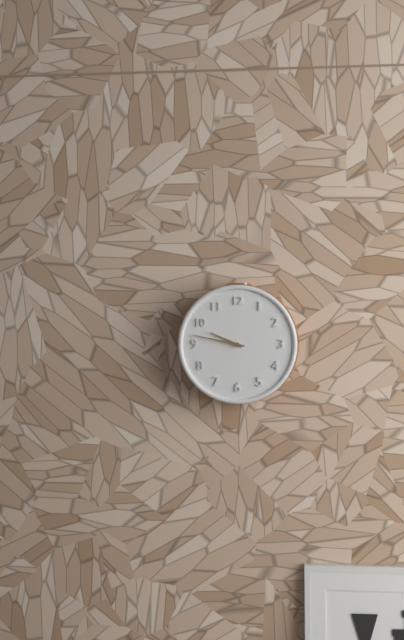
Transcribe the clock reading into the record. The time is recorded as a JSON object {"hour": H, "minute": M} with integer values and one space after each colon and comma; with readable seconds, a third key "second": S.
{"hour": 9, "minute": 47}
